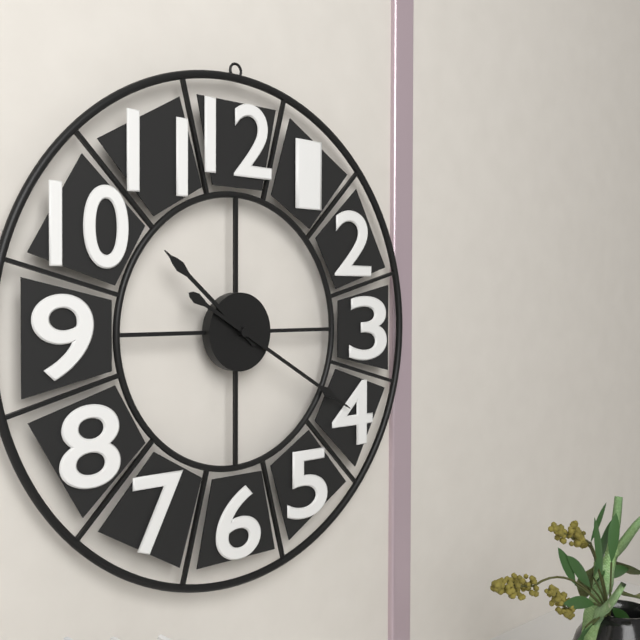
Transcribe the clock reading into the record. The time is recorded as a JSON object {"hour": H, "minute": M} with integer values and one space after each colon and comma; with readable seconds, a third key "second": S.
{"hour": 10, "minute": 20}
